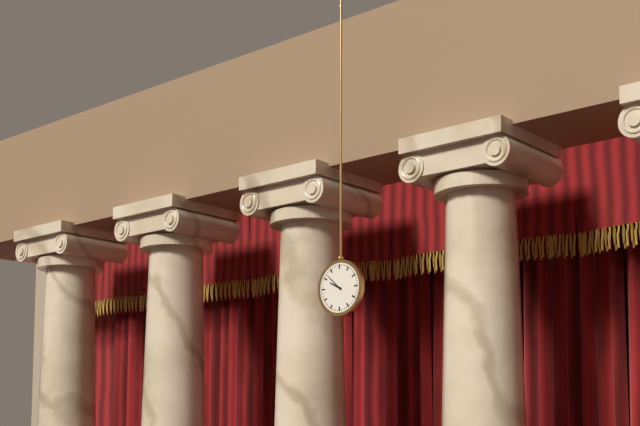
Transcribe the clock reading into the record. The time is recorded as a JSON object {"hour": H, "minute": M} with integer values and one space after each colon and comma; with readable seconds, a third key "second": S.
{"hour": 9, "minute": 52}
